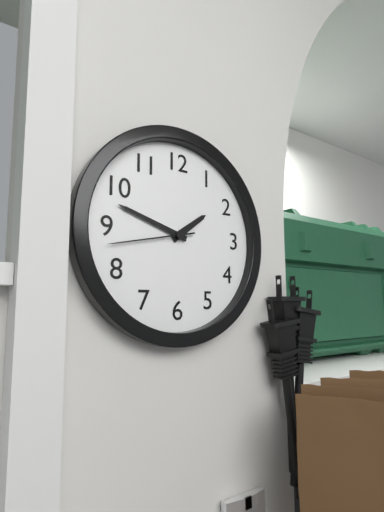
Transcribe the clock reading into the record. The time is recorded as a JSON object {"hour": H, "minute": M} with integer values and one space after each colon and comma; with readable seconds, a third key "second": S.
{"hour": 1, "minute": 48, "second": 43}
